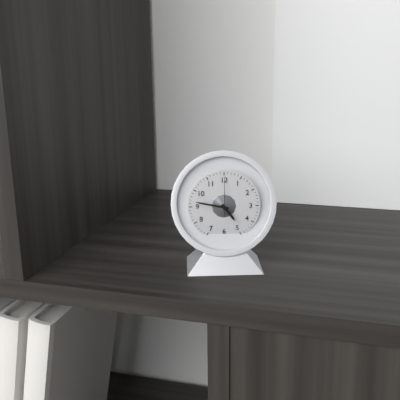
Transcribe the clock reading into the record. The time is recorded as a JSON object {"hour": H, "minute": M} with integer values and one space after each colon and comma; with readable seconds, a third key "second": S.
{"hour": 4, "minute": 47}
